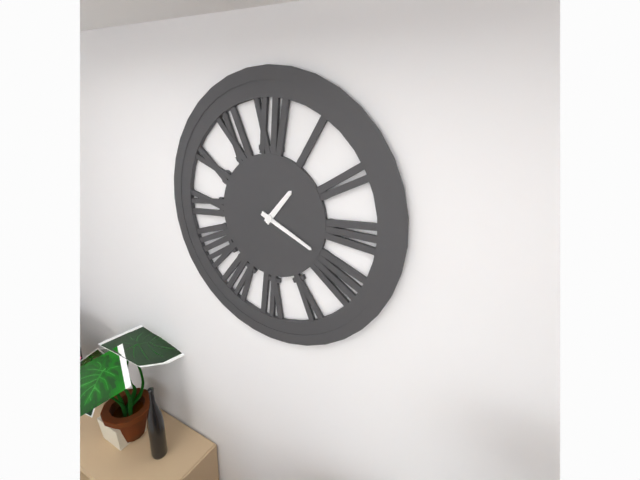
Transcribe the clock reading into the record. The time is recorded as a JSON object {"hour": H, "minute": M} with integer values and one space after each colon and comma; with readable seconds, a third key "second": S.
{"hour": 1, "minute": 19}
